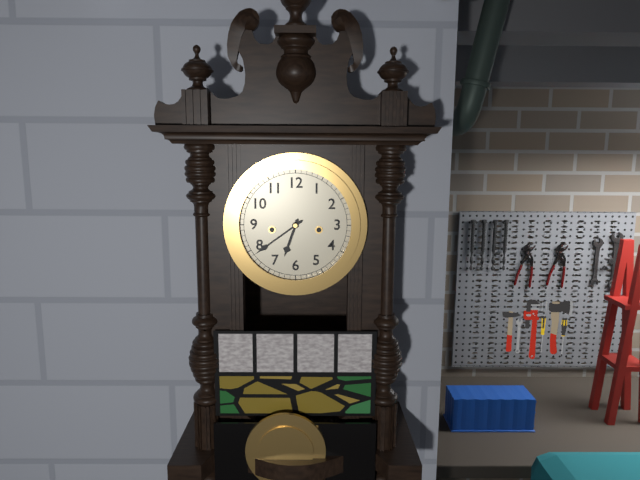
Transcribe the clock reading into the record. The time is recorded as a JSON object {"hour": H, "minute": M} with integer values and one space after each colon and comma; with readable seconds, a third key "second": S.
{"hour": 6, "minute": 39}
